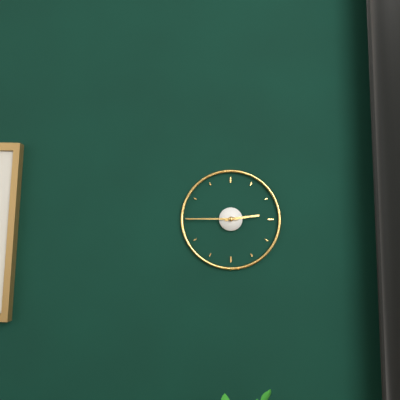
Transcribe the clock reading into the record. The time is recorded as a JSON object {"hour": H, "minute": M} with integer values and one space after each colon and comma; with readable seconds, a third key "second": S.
{"hour": 2, "minute": 45}
